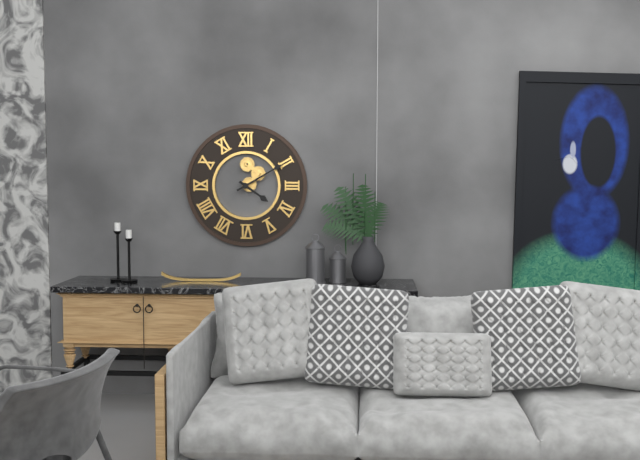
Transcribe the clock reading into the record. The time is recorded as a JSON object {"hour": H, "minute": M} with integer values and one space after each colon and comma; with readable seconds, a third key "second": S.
{"hour": 4, "minute": 10}
